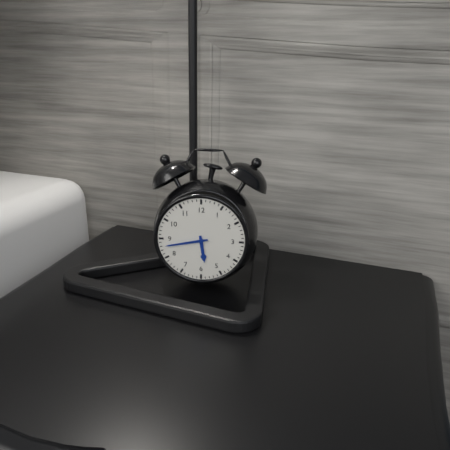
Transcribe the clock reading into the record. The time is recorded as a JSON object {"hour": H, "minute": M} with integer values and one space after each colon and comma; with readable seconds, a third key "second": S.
{"hour": 5, "minute": 43}
